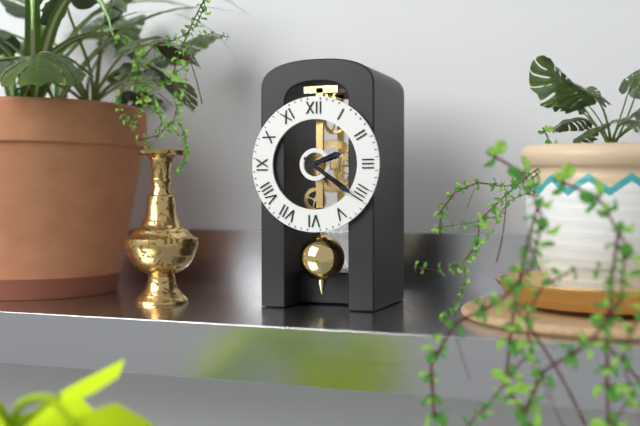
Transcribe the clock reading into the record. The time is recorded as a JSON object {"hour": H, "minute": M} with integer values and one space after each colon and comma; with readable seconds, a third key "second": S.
{"hour": 2, "minute": 21}
